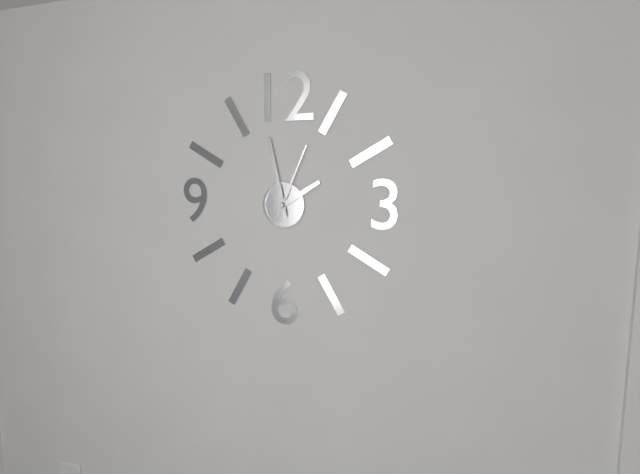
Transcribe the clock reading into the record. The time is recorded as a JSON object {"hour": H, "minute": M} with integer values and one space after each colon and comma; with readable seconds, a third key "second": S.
{"hour": 1, "minute": 58, "second": 4}
